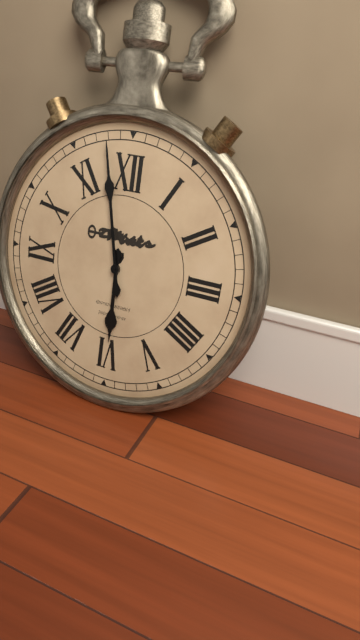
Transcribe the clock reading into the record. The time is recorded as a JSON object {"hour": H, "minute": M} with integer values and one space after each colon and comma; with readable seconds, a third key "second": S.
{"hour": 5, "minute": 58}
